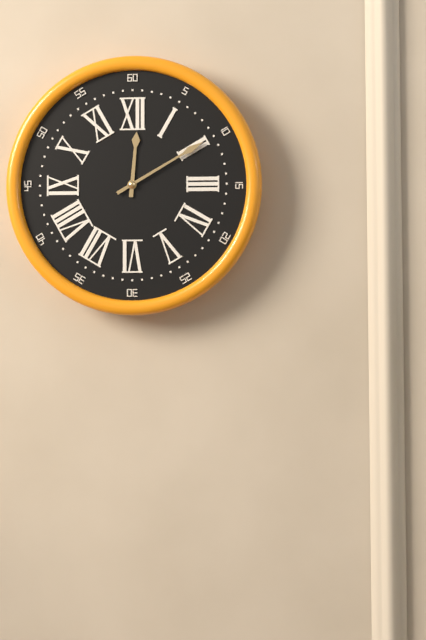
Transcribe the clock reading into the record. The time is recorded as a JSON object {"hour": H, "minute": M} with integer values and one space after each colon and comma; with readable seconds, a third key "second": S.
{"hour": 12, "minute": 10}
